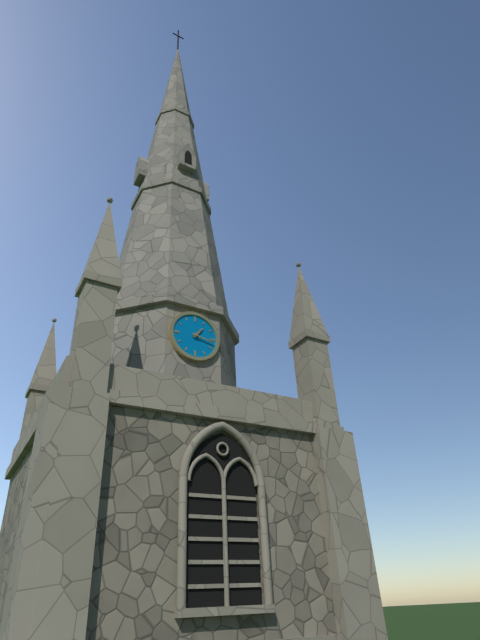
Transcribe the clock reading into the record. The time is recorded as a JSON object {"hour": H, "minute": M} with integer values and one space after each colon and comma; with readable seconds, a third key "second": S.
{"hour": 1, "minute": 17}
